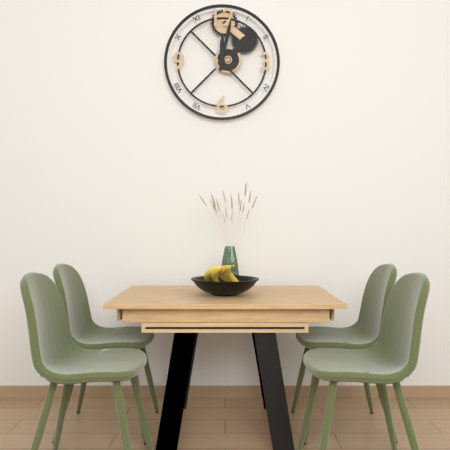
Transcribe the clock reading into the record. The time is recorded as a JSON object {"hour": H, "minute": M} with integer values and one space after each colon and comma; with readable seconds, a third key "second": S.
{"hour": 12, "minute": 2}
